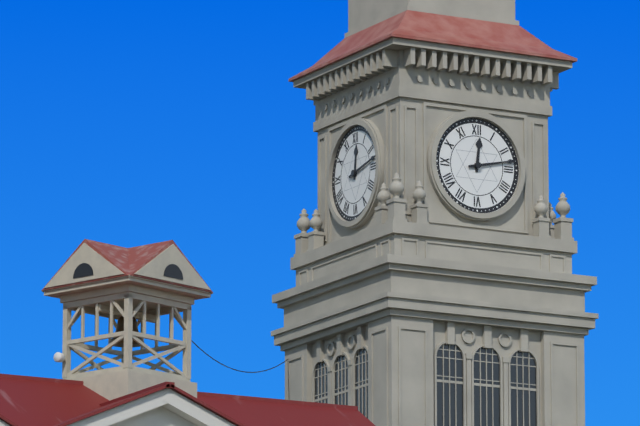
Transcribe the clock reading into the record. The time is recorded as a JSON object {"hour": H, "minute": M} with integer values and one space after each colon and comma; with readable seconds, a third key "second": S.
{"hour": 12, "minute": 13}
